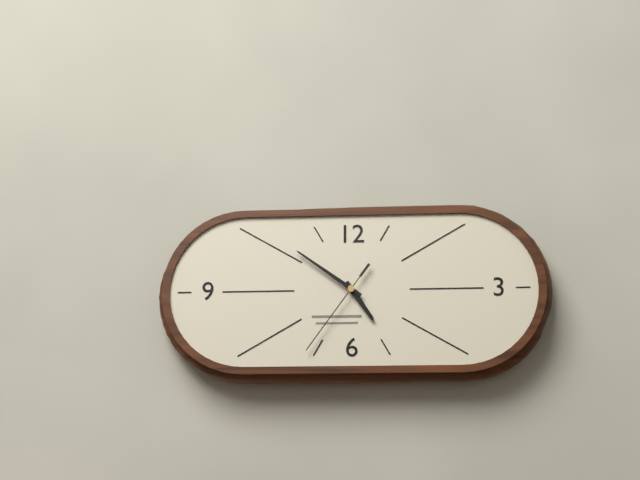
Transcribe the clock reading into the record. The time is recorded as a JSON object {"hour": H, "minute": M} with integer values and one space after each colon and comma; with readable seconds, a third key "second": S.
{"hour": 4, "minute": 51, "second": 36}
